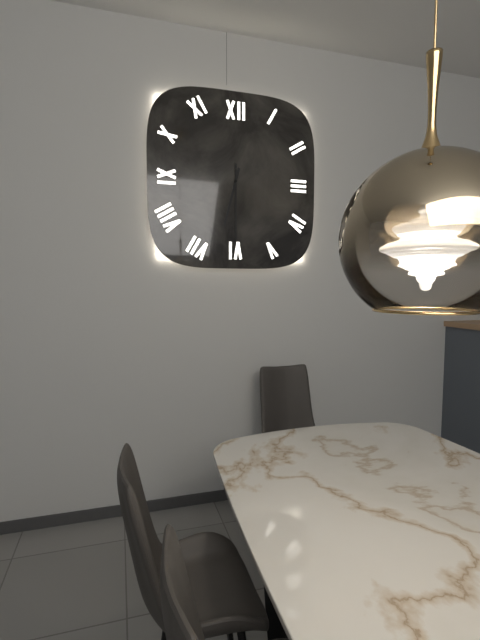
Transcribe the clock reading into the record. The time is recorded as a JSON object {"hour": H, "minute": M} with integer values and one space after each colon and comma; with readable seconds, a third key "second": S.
{"hour": 6, "minute": 30}
